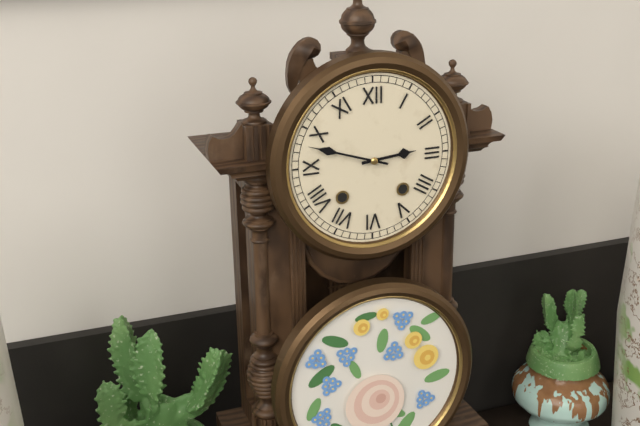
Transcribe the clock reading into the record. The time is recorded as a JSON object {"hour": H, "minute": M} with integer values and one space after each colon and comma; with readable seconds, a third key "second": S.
{"hour": 2, "minute": 48}
